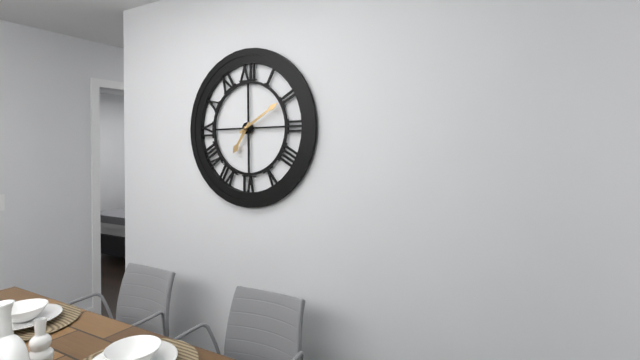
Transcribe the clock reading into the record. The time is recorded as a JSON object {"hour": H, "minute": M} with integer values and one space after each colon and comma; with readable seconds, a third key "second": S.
{"hour": 7, "minute": 10}
